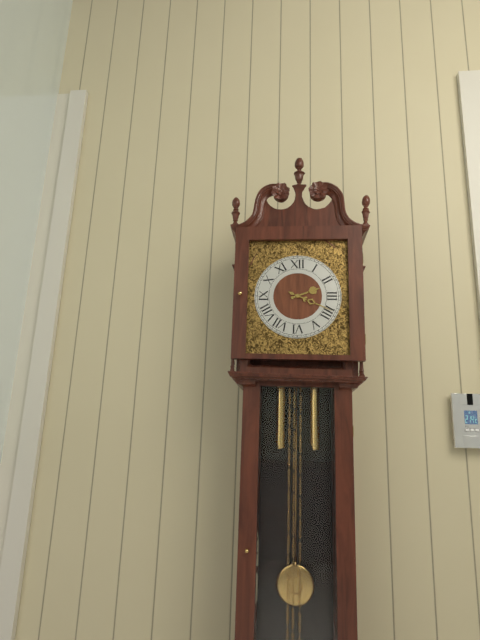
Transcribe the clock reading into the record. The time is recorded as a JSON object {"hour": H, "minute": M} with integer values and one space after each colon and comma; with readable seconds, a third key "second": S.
{"hour": 2, "minute": 19}
